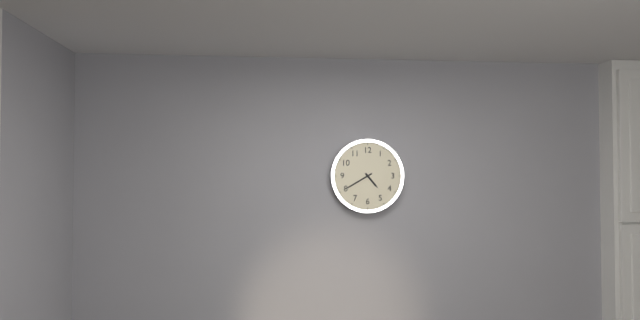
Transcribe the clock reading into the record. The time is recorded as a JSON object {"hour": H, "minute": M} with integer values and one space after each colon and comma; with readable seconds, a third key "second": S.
{"hour": 4, "minute": 40}
